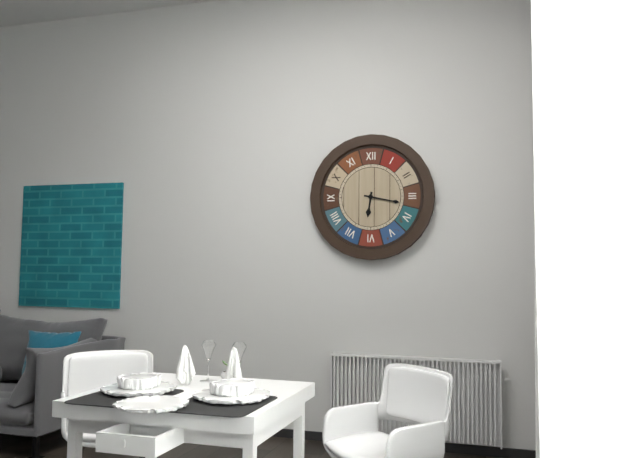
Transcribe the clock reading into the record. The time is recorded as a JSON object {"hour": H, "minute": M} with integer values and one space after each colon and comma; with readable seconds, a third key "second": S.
{"hour": 6, "minute": 17}
